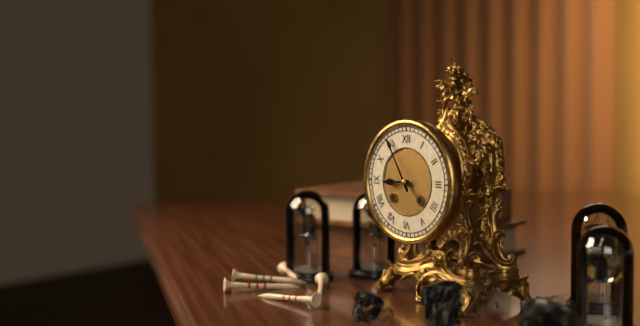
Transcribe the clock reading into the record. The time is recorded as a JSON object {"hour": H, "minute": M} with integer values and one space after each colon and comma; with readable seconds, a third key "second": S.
{"hour": 8, "minute": 55}
